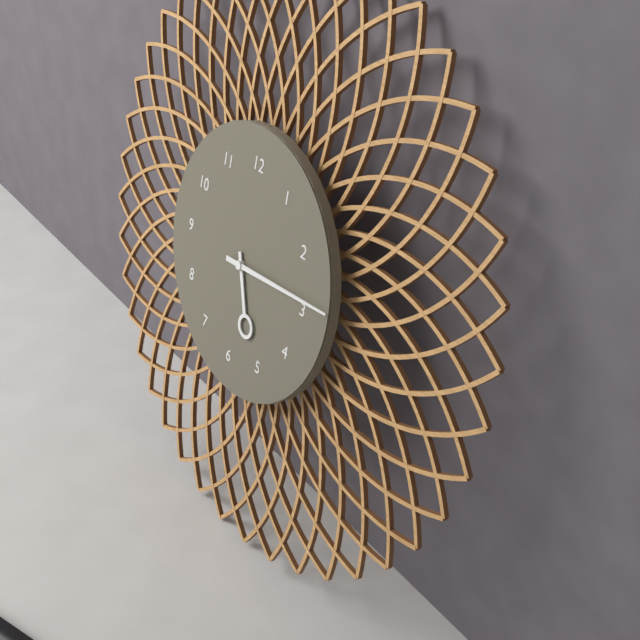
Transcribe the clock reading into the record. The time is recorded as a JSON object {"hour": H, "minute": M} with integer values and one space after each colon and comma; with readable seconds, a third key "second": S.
{"hour": 5, "minute": 14}
